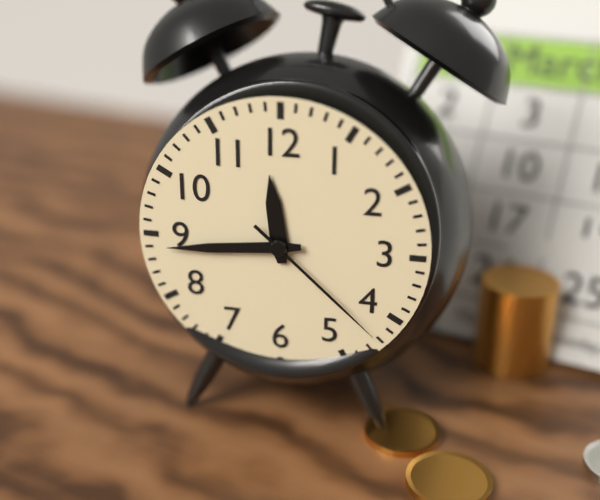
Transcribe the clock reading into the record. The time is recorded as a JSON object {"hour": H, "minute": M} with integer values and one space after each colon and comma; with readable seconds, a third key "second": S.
{"hour": 11, "minute": 44, "second": 22}
